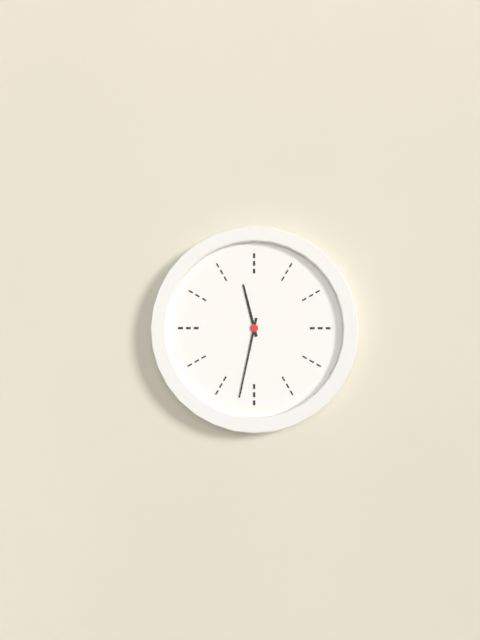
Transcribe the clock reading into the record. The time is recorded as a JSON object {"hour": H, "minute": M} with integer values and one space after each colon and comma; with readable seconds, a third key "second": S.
{"hour": 11, "minute": 32}
